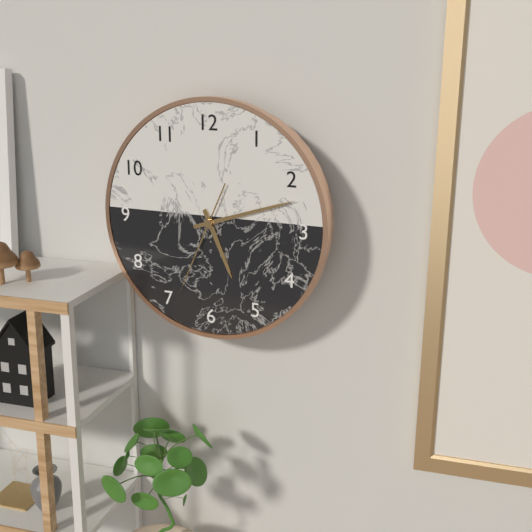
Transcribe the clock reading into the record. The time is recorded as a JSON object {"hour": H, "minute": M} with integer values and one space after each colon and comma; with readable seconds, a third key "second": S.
{"hour": 5, "minute": 12, "second": 34}
